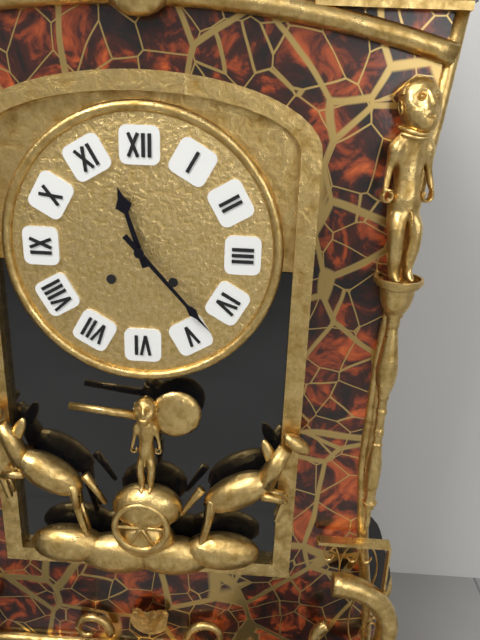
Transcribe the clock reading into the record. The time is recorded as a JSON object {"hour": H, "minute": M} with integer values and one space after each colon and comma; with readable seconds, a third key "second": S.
{"hour": 11, "minute": 23}
